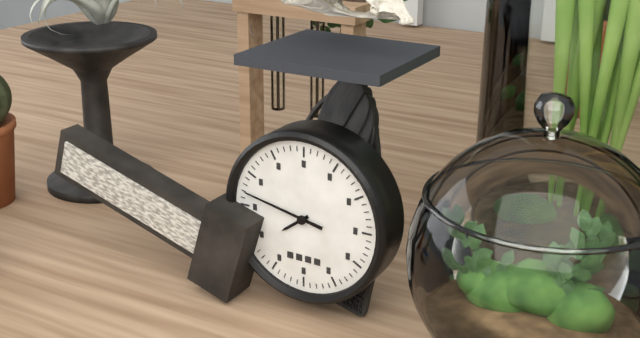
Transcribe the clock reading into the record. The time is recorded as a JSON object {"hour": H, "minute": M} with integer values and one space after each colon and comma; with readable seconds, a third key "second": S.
{"hour": 7, "minute": 47}
